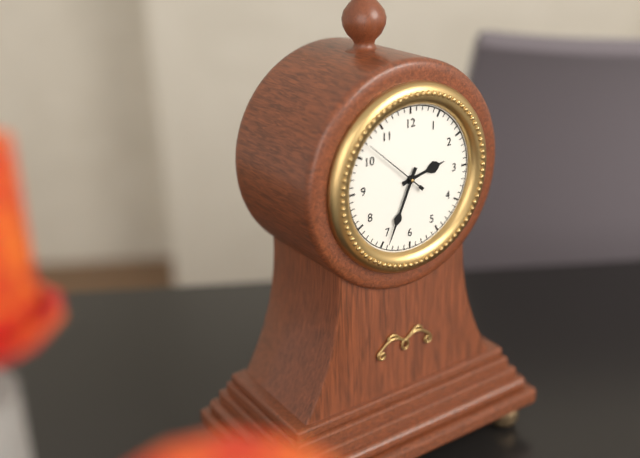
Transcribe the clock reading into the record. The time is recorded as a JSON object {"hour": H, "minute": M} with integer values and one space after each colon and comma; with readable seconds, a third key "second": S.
{"hour": 2, "minute": 34, "second": 52}
